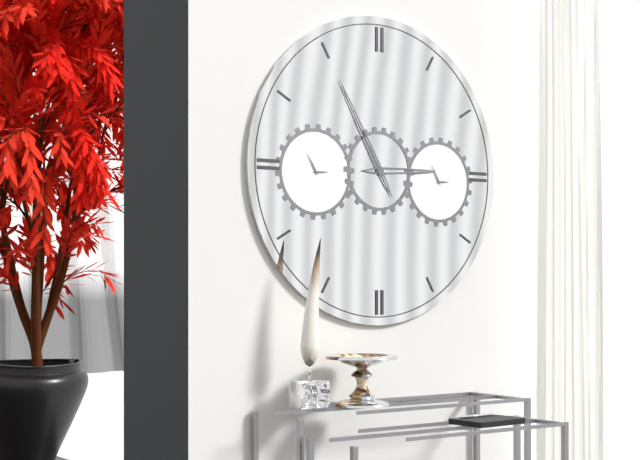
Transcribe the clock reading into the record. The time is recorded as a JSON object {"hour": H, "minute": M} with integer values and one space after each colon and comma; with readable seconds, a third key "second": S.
{"hour": 2, "minute": 55}
